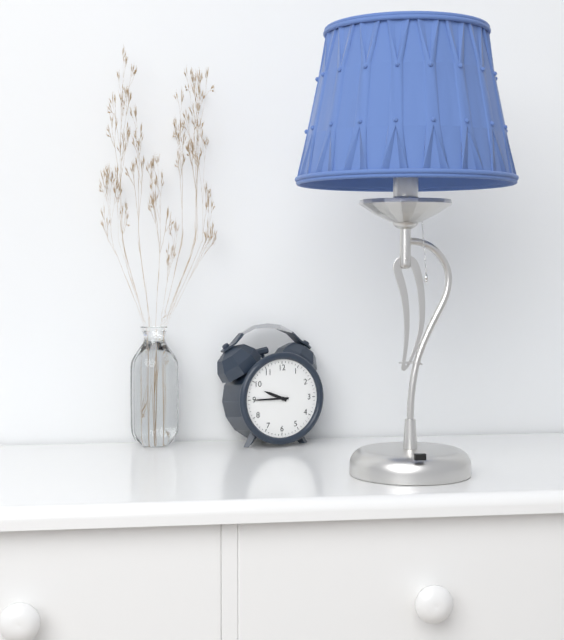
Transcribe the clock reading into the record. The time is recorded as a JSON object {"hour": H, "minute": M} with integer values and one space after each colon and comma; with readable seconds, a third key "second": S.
{"hour": 9, "minute": 45}
